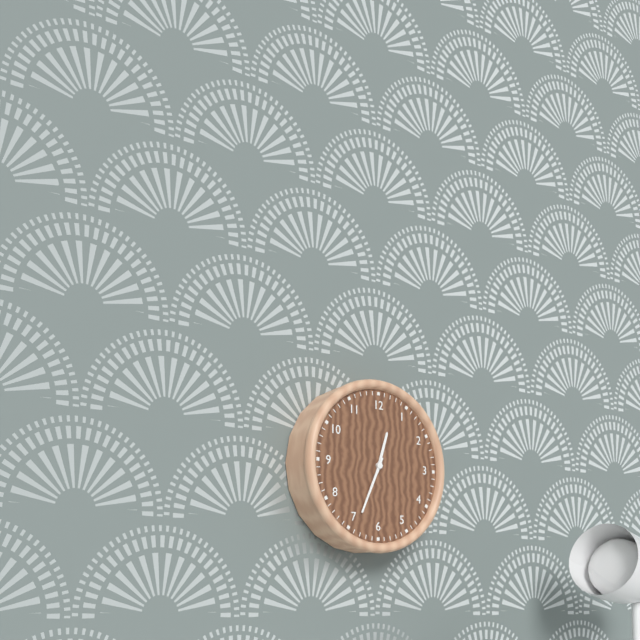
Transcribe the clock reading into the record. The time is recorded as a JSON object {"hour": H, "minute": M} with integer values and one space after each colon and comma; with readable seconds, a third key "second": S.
{"hour": 12, "minute": 34}
